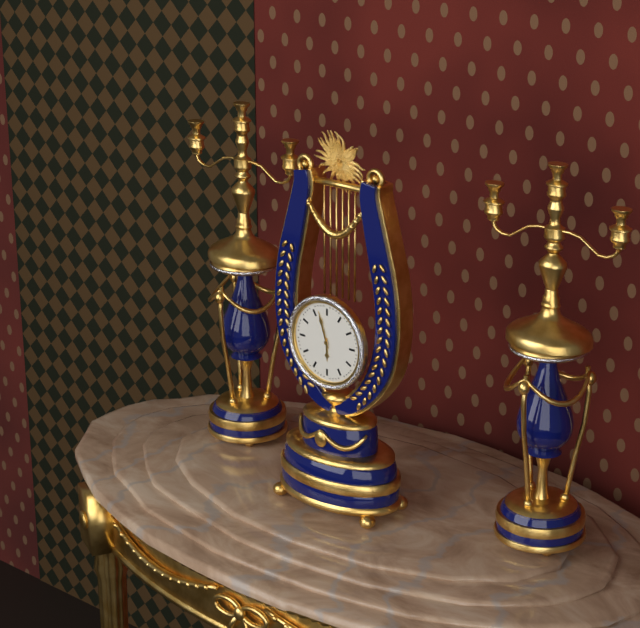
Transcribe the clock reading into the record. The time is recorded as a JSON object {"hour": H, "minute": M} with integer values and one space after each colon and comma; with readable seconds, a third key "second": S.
{"hour": 5, "minute": 57}
